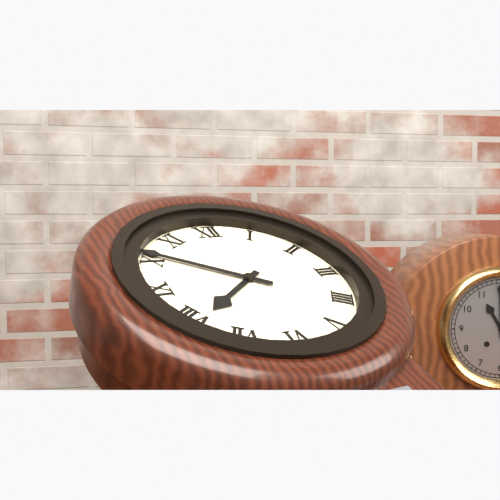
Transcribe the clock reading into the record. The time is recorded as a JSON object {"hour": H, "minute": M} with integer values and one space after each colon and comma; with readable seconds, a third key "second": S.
{"hour": 7, "minute": 51}
